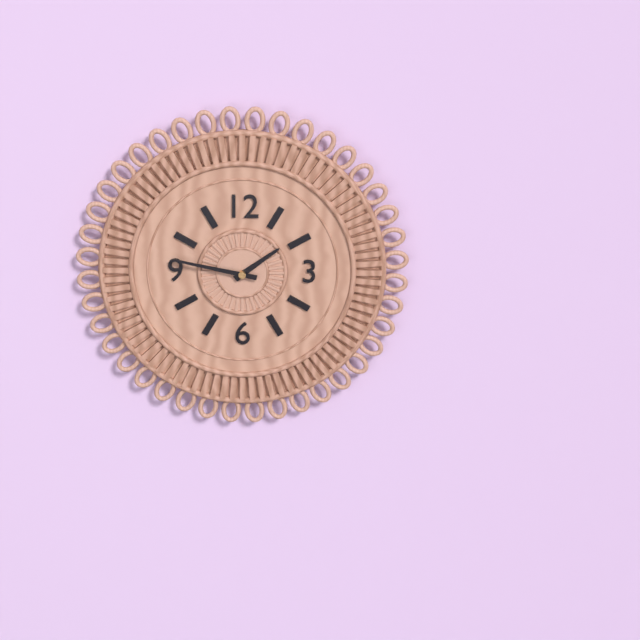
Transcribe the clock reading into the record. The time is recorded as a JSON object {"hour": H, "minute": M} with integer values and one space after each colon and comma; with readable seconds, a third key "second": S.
{"hour": 1, "minute": 47}
